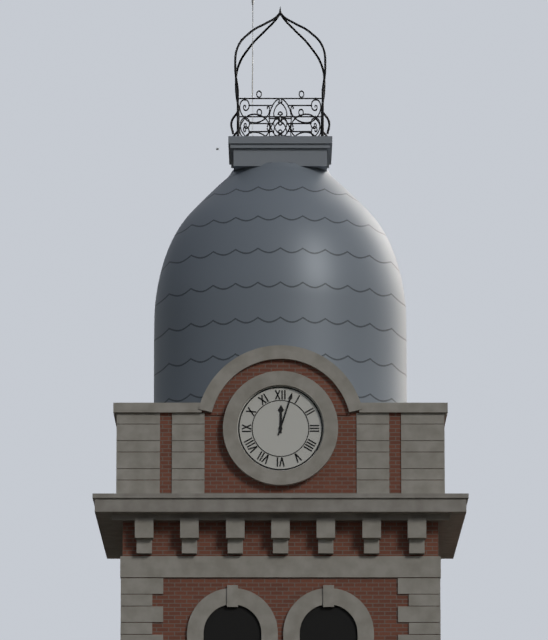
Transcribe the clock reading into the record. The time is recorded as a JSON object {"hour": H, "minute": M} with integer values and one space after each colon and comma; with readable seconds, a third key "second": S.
{"hour": 12, "minute": 3}
